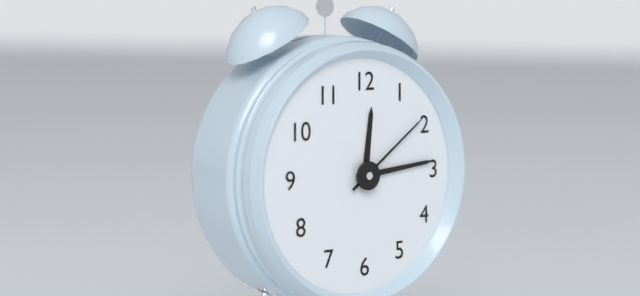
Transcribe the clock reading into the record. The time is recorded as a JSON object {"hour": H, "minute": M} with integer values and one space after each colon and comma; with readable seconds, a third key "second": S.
{"hour": 12, "minute": 14, "second": 9}
